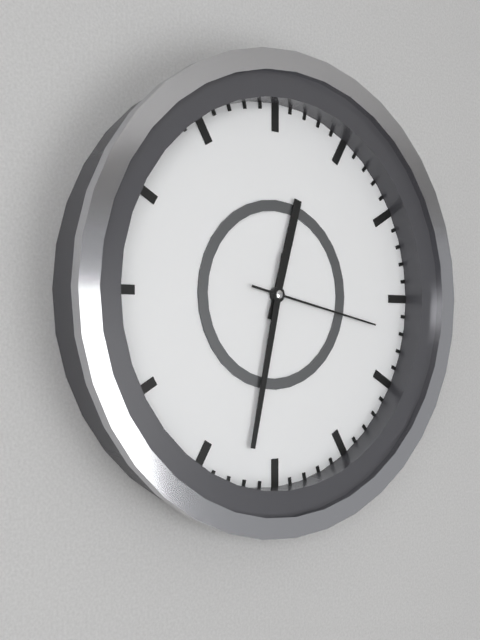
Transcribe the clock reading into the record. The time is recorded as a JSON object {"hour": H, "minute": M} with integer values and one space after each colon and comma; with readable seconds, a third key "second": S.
{"hour": 12, "minute": 32, "second": 17}
